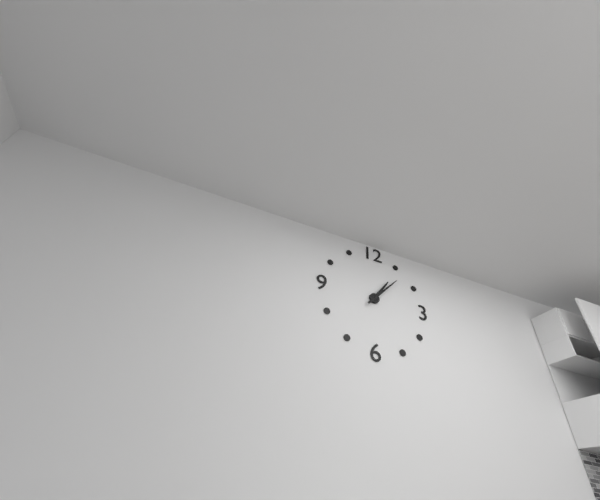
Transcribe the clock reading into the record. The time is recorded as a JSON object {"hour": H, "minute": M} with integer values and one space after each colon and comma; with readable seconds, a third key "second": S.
{"hour": 1, "minute": 7}
